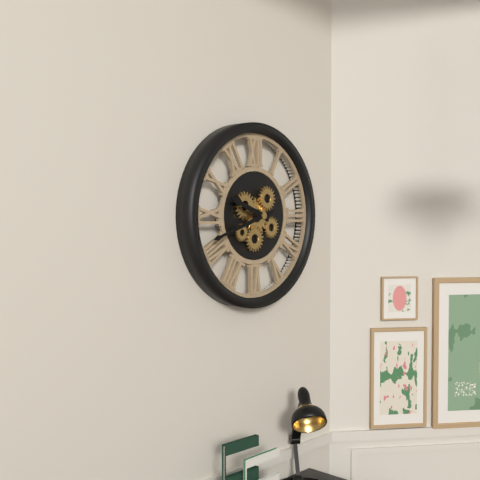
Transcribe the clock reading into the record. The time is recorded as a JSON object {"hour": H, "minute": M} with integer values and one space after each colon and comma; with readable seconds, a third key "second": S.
{"hour": 9, "minute": 42}
